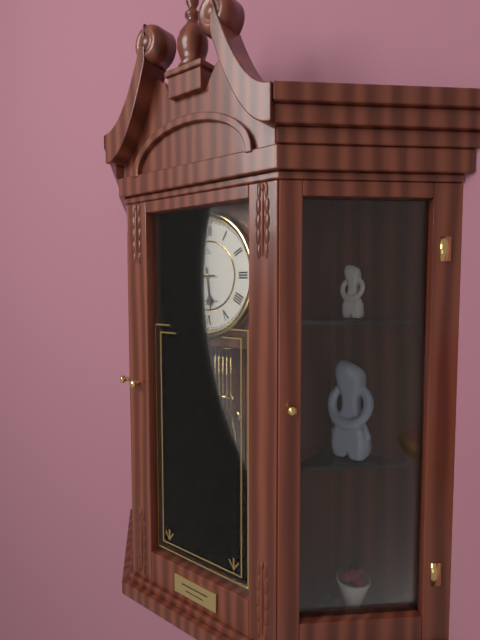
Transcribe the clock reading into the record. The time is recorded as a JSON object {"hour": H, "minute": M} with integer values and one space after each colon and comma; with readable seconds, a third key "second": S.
{"hour": 5, "minute": 45}
